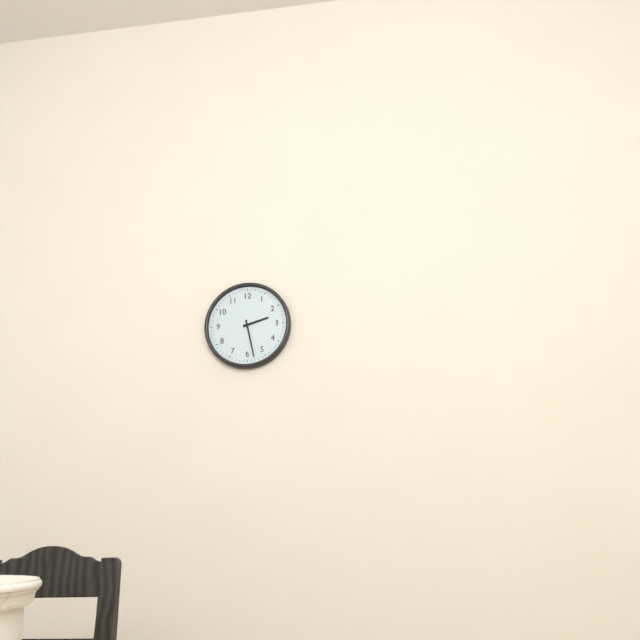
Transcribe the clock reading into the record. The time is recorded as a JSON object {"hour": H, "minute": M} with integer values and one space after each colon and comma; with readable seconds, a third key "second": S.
{"hour": 2, "minute": 28}
